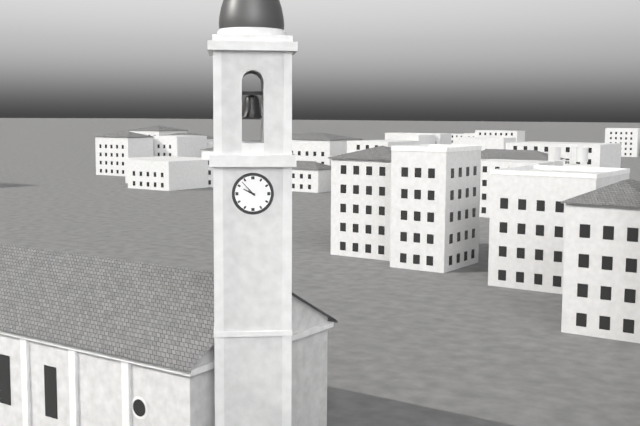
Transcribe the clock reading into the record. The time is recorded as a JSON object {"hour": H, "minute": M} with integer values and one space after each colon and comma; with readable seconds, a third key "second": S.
{"hour": 9, "minute": 53}
